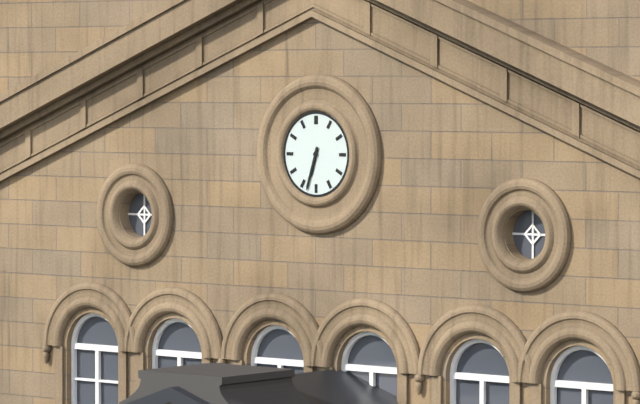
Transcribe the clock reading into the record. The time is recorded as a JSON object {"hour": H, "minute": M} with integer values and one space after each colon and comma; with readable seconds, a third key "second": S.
{"hour": 6, "minute": 33}
